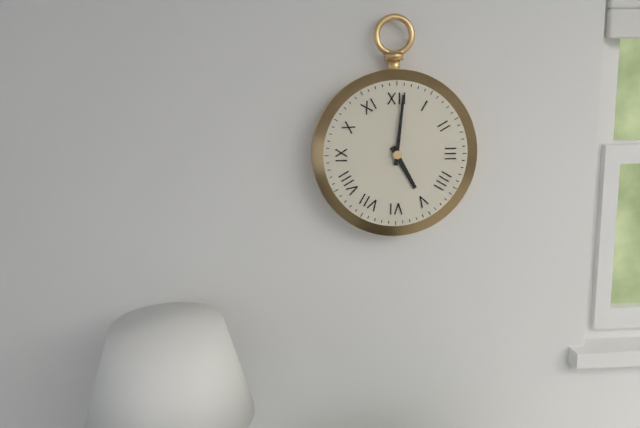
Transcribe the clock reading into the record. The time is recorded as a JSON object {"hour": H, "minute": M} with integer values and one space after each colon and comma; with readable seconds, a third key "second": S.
{"hour": 5, "minute": 1}
